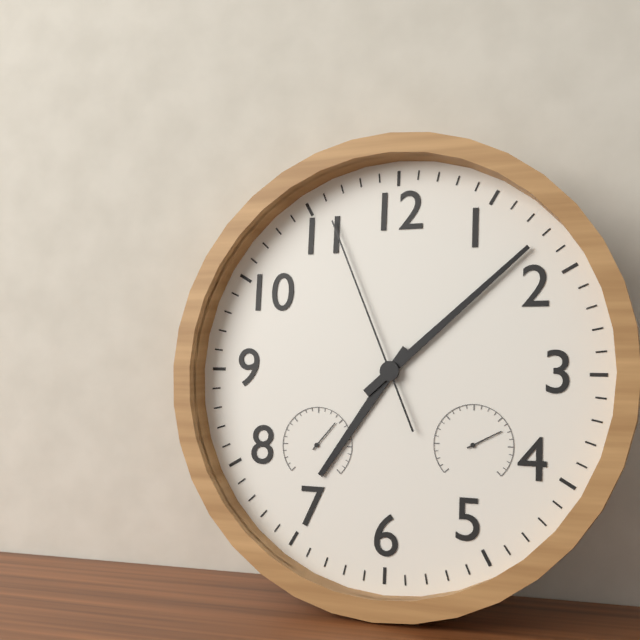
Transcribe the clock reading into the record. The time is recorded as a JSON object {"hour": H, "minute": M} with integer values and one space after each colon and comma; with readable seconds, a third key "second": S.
{"hour": 7, "minute": 8, "second": 56}
